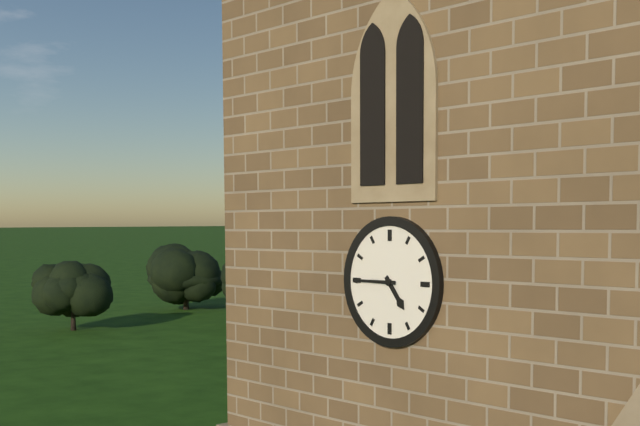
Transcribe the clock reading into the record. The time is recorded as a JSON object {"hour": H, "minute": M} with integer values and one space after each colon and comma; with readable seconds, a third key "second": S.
{"hour": 4, "minute": 45}
